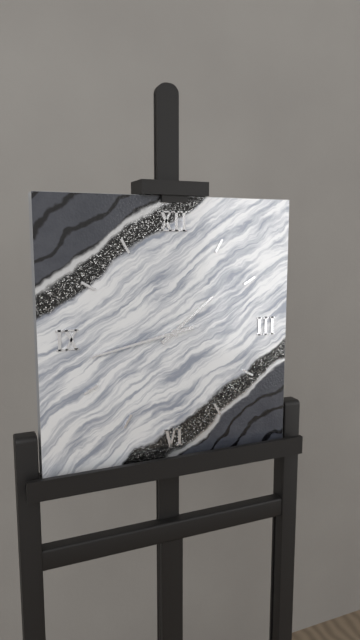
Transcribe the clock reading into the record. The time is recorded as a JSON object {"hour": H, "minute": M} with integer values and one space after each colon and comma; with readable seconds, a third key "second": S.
{"hour": 1, "minute": 43}
